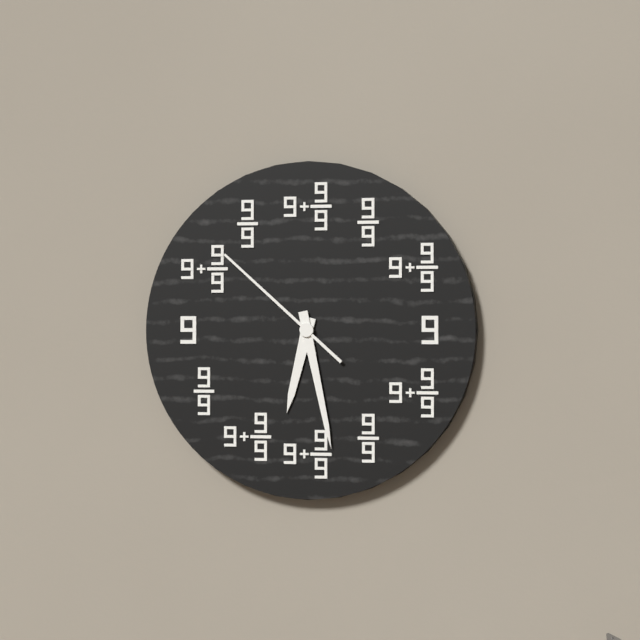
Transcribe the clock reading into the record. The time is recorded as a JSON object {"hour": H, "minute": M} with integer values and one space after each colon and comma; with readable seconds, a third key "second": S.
{"hour": 6, "minute": 28, "second": 52}
